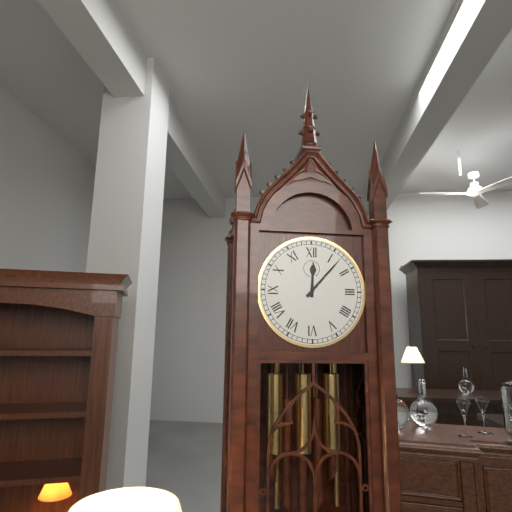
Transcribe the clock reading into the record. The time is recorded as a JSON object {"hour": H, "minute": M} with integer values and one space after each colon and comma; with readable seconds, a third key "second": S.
{"hour": 12, "minute": 7}
